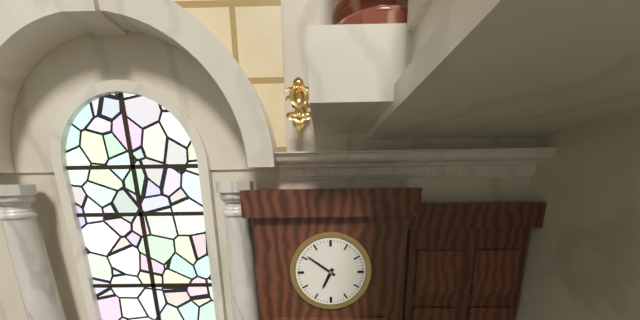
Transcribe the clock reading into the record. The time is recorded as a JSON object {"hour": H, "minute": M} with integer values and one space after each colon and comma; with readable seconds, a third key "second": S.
{"hour": 6, "minute": 51}
